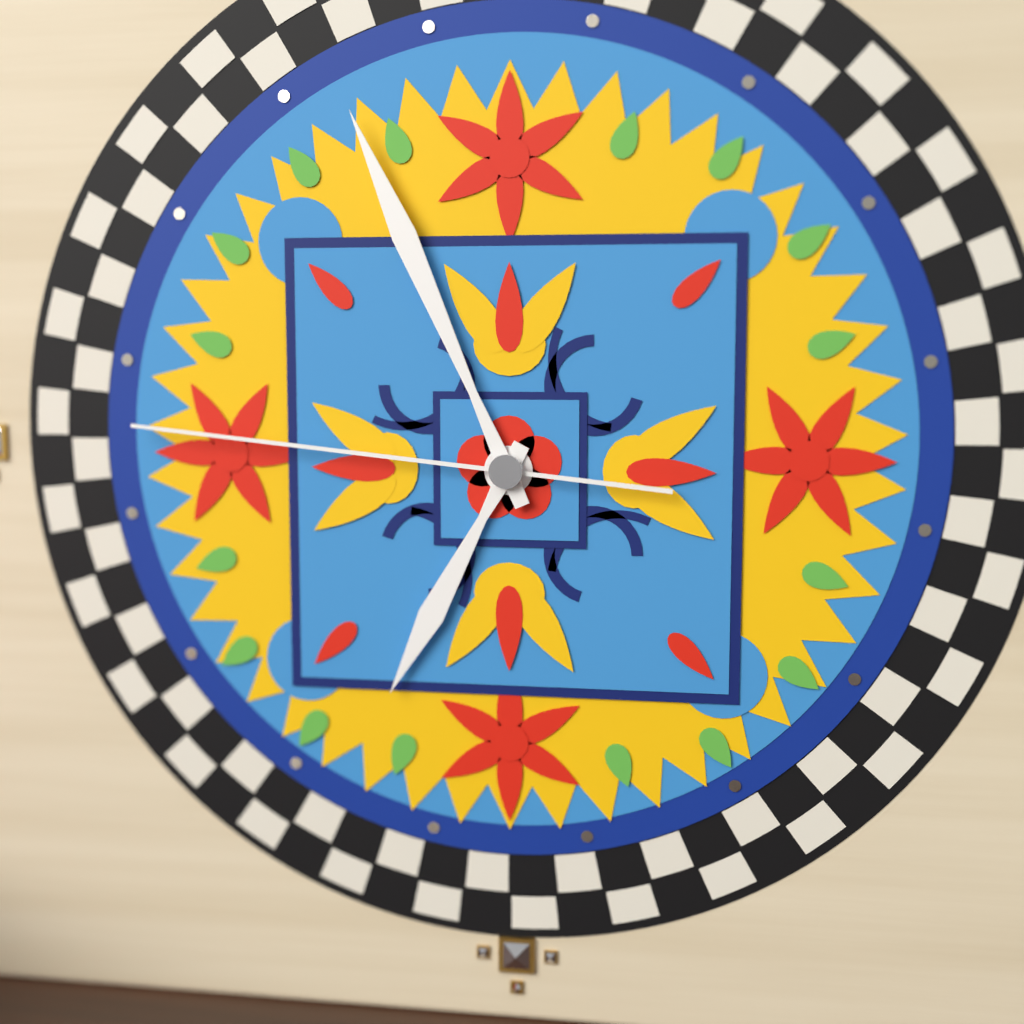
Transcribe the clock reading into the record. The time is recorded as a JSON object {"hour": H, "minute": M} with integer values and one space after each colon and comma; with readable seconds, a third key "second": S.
{"hour": 6, "minute": 56, "second": 46}
